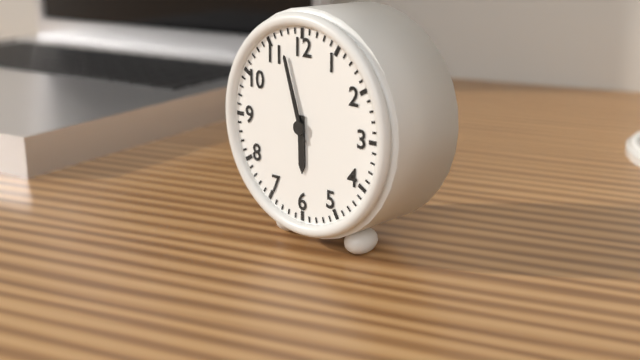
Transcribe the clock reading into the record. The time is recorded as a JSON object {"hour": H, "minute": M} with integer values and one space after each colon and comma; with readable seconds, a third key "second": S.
{"hour": 5, "minute": 57}
